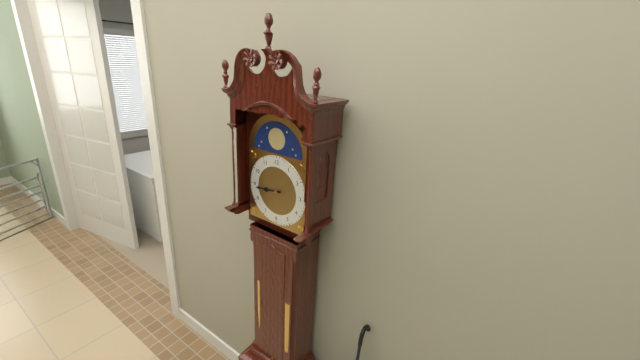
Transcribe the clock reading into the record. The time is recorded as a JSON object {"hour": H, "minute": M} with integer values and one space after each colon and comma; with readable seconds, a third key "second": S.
{"hour": 8, "minute": 44}
